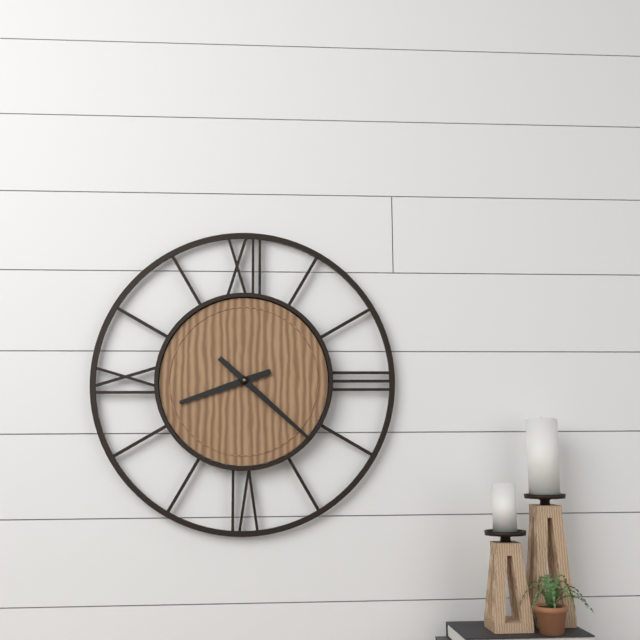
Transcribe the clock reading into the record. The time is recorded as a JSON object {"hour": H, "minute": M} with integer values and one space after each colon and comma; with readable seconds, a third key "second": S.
{"hour": 8, "minute": 22}
